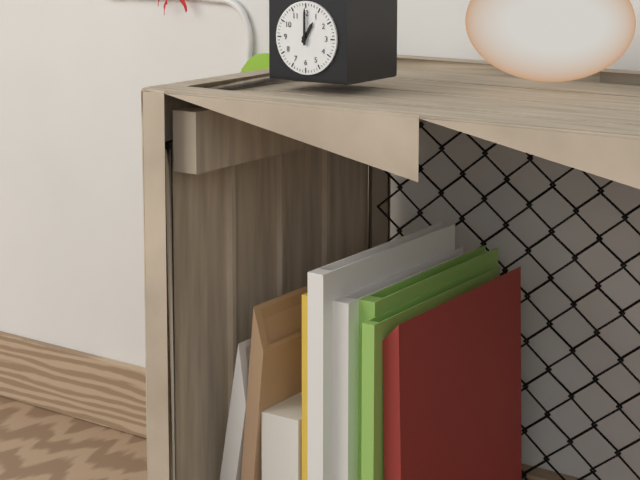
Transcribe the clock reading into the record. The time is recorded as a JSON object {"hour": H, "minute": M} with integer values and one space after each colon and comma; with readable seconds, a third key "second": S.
{"hour": 1, "minute": 0}
